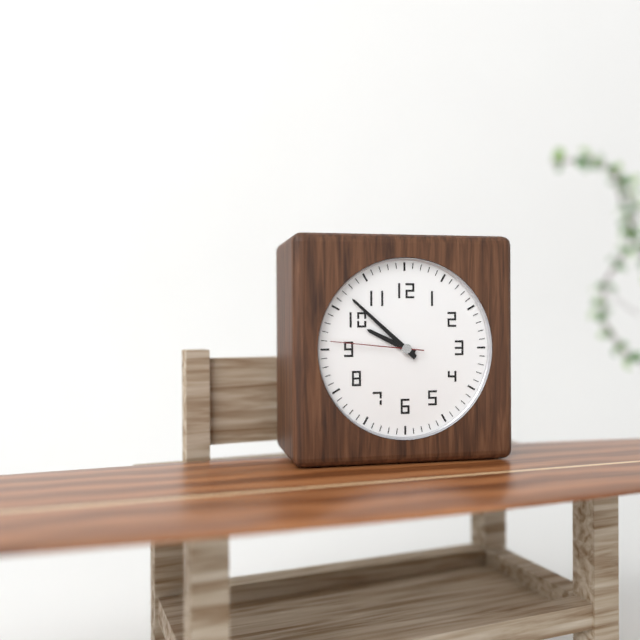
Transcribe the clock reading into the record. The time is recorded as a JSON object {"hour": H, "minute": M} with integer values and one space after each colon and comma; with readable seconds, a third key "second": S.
{"hour": 9, "minute": 52, "second": 46}
